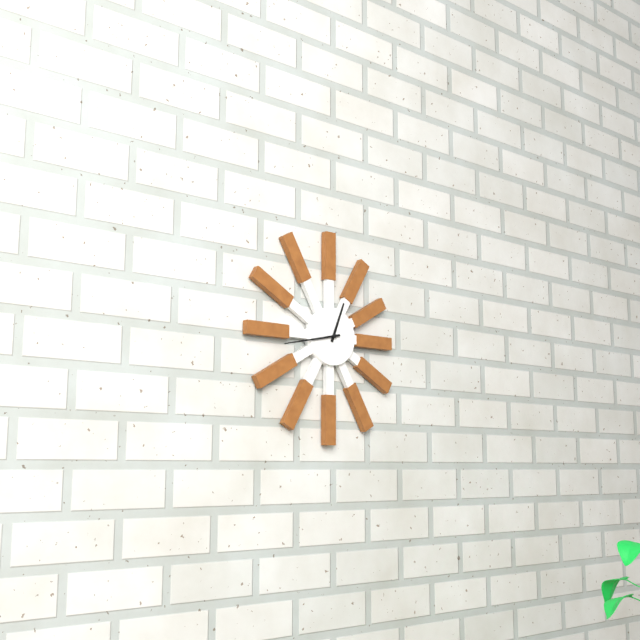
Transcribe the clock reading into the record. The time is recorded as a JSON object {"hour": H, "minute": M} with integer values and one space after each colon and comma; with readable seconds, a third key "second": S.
{"hour": 12, "minute": 43}
